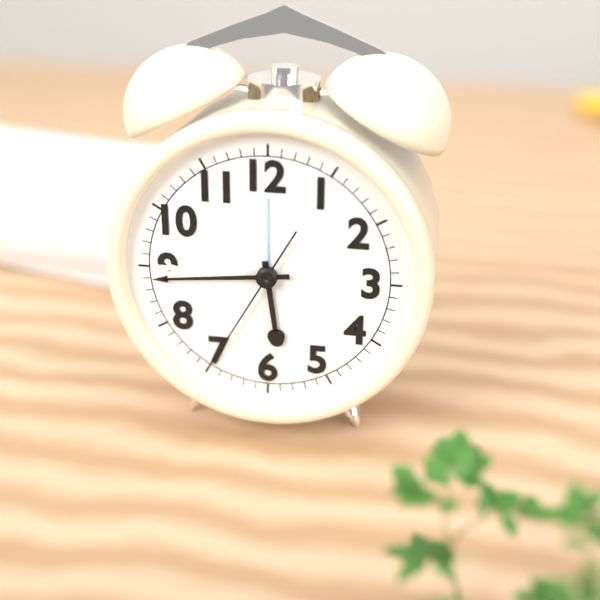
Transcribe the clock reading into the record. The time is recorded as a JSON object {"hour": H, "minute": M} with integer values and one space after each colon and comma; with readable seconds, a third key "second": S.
{"hour": 5, "minute": 44, "second": 35}
